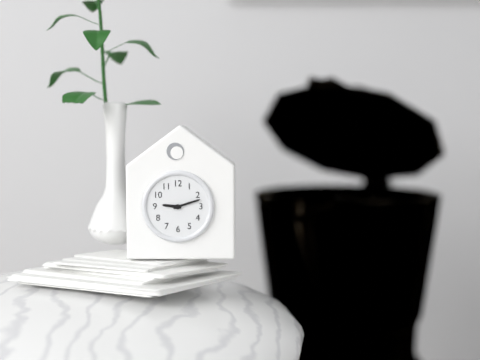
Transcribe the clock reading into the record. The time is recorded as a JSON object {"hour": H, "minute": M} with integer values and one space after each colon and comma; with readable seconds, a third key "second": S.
{"hour": 9, "minute": 12}
